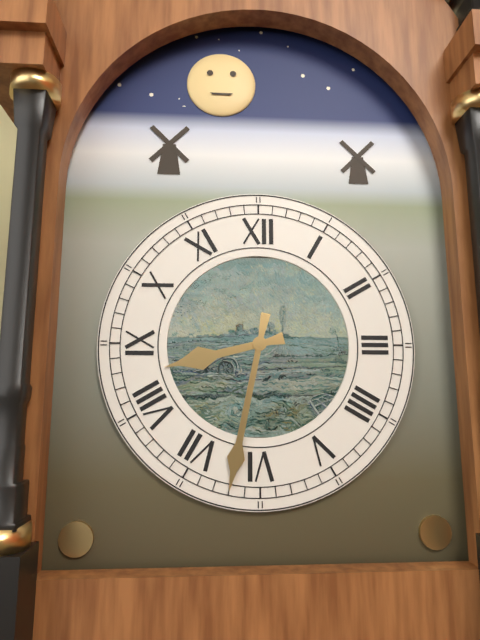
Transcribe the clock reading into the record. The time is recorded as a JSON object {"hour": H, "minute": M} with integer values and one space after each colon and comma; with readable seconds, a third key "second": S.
{"hour": 8, "minute": 32}
